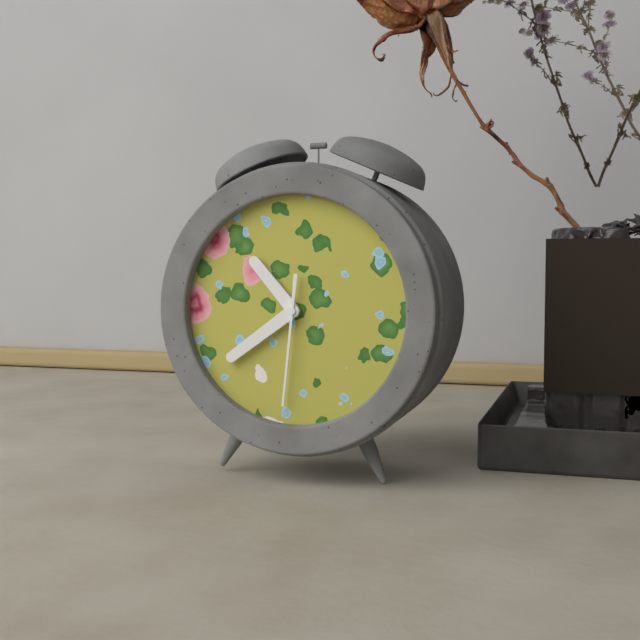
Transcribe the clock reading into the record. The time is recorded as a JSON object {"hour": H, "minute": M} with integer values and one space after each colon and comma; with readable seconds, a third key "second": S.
{"hour": 10, "minute": 39, "second": 31}
